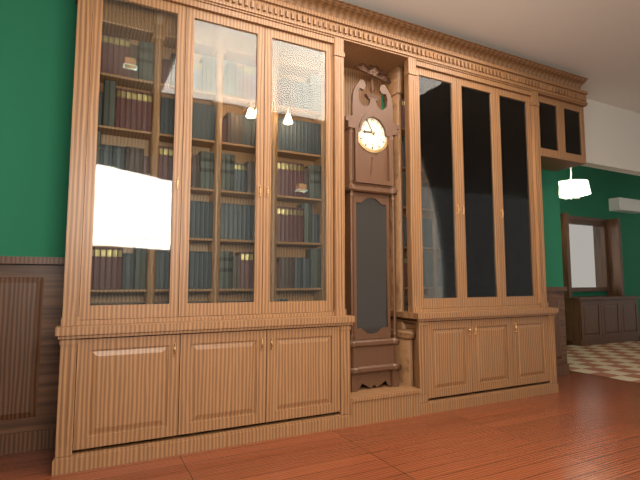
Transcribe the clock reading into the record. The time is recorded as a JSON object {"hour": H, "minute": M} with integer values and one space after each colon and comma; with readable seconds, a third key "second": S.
{"hour": 8, "minute": 55}
